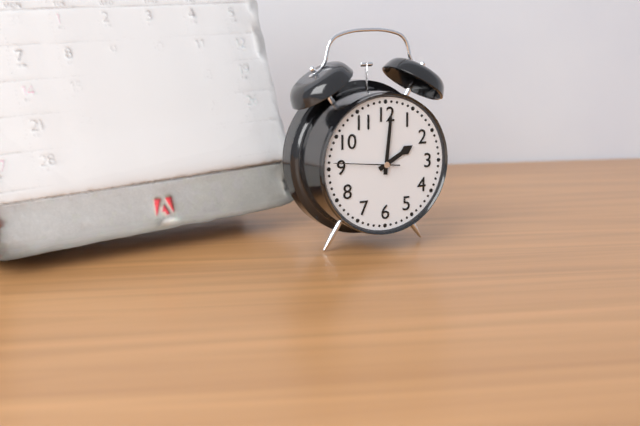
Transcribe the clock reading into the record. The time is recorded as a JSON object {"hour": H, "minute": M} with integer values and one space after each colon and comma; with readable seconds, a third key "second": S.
{"hour": 2, "minute": 1, "second": 46}
